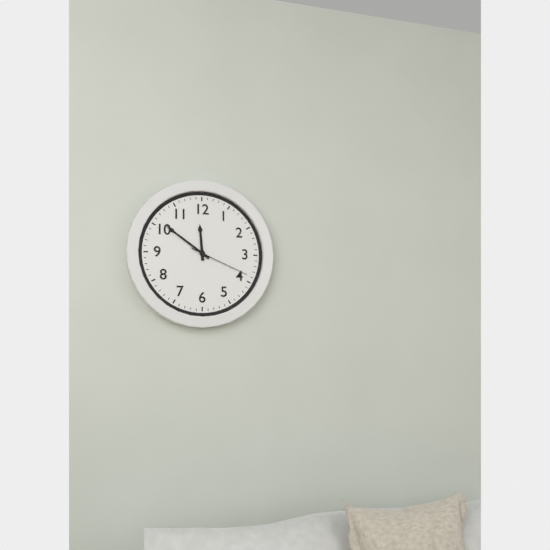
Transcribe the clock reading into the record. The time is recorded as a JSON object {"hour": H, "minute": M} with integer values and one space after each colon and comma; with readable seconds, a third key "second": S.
{"hour": 11, "minute": 51, "second": 19}
